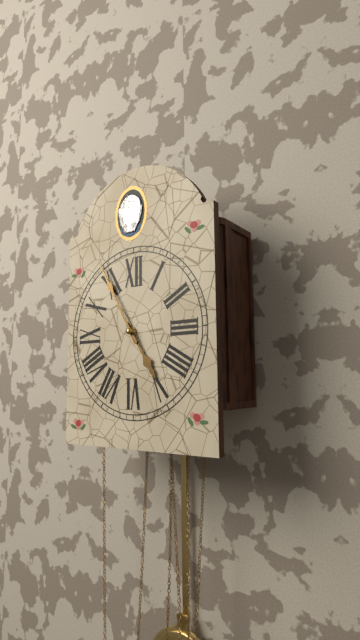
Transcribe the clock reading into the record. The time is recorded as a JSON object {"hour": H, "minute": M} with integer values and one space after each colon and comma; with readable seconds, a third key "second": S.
{"hour": 4, "minute": 55}
